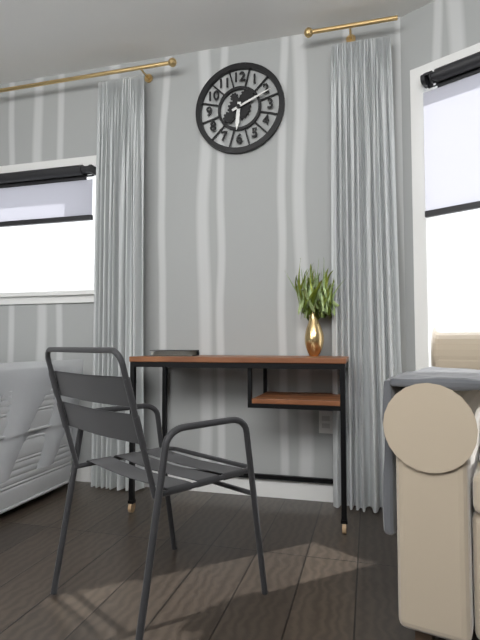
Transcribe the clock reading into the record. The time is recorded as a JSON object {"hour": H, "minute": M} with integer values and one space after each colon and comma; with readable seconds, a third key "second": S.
{"hour": 6, "minute": 11}
